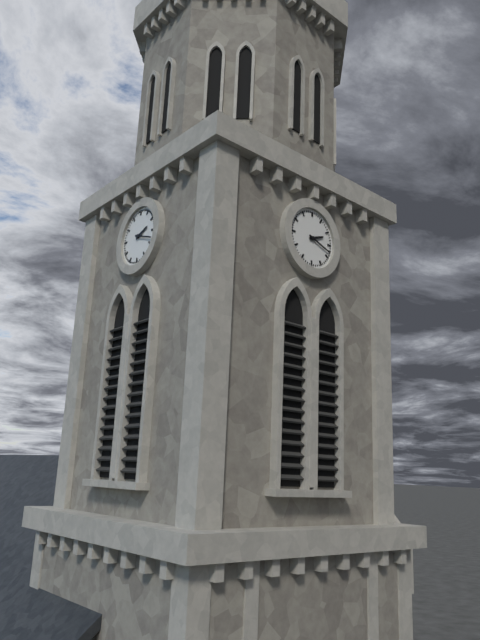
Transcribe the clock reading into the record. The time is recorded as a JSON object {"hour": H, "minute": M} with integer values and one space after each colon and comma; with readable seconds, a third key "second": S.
{"hour": 2, "minute": 18}
